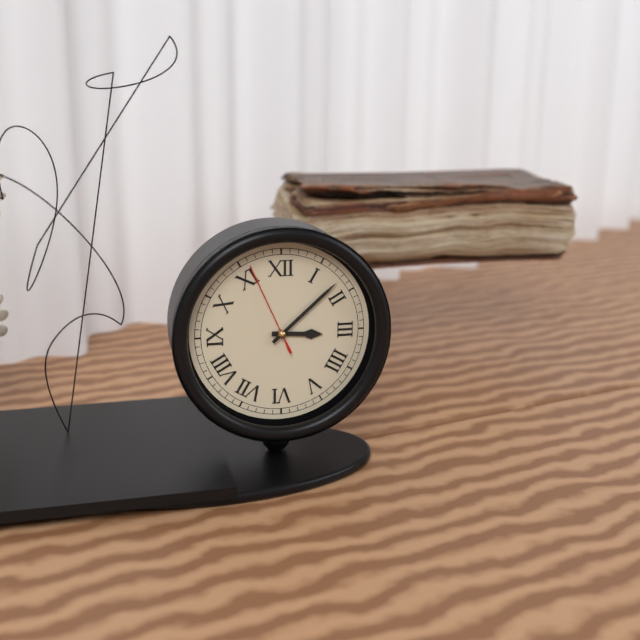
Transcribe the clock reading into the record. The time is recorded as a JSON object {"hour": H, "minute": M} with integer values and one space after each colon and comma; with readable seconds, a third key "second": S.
{"hour": 3, "minute": 8, "second": 56}
